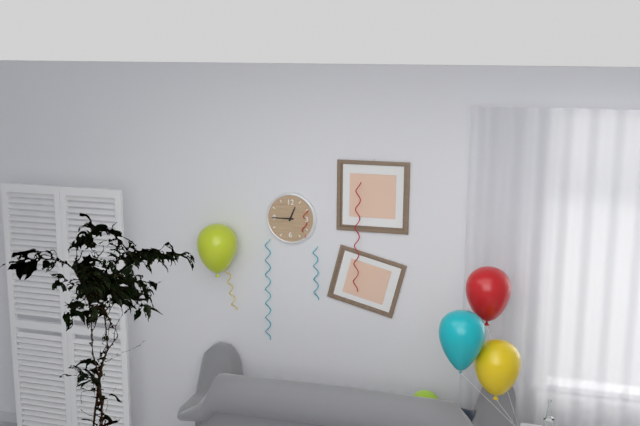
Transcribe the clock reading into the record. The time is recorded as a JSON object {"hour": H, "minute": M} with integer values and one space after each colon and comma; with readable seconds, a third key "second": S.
{"hour": 12, "minute": 45}
